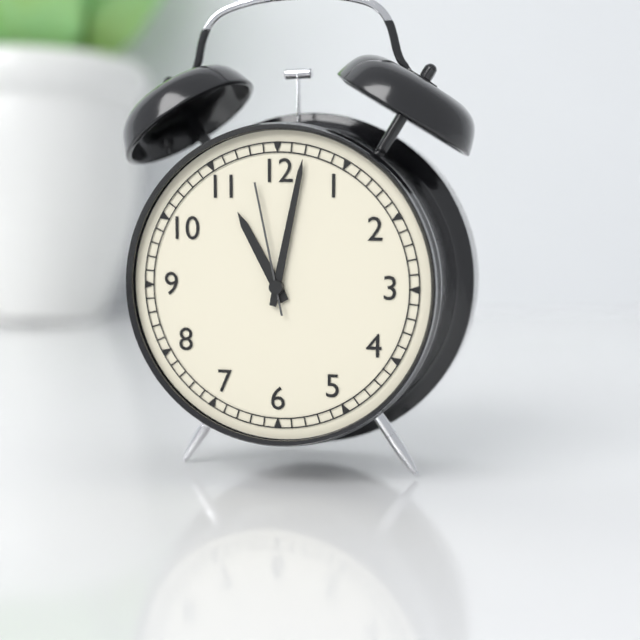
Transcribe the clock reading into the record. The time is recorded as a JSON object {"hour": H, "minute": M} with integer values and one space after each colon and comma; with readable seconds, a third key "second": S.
{"hour": 11, "minute": 2, "second": 58}
